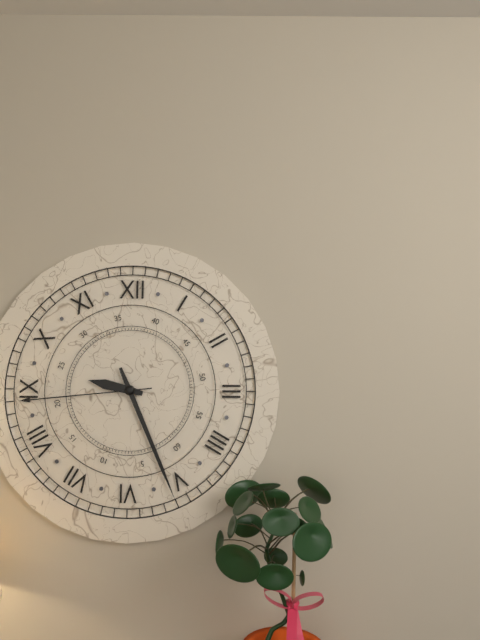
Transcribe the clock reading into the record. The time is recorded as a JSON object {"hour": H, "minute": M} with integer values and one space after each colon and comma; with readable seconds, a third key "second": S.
{"hour": 9, "minute": 26, "second": 44}
